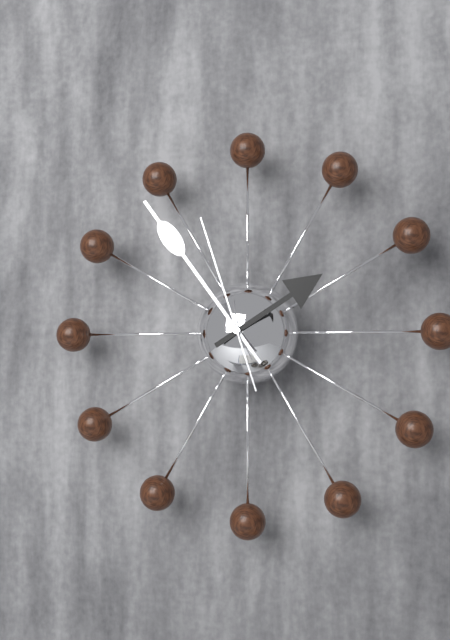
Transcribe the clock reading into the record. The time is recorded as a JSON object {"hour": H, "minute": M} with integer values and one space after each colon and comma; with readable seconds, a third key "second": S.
{"hour": 1, "minute": 54, "second": 57}
